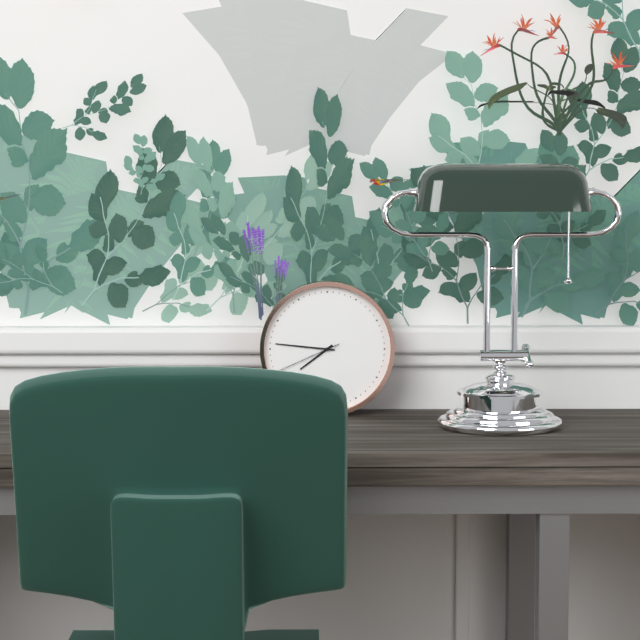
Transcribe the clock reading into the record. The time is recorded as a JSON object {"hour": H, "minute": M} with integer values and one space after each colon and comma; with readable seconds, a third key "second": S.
{"hour": 7, "minute": 46, "second": 41}
